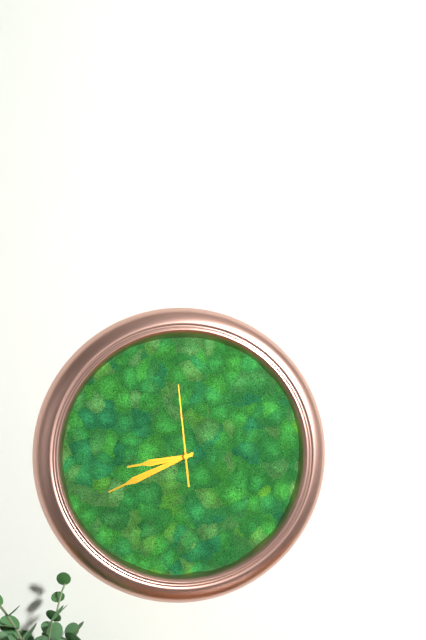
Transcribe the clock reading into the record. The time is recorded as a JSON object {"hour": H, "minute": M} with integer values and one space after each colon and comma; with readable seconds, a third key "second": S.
{"hour": 8, "minute": 41, "second": 59}
